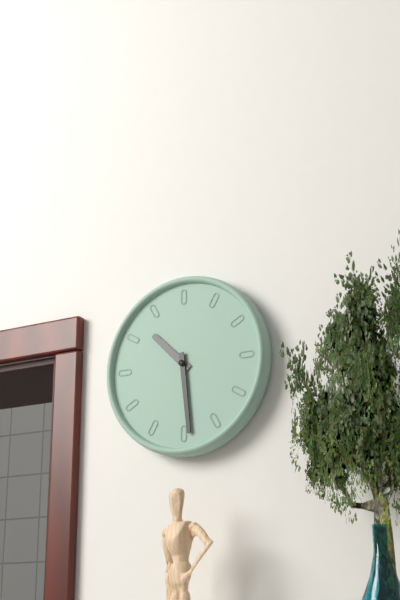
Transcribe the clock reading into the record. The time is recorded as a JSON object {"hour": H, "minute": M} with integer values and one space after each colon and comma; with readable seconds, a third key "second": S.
{"hour": 10, "minute": 29}
